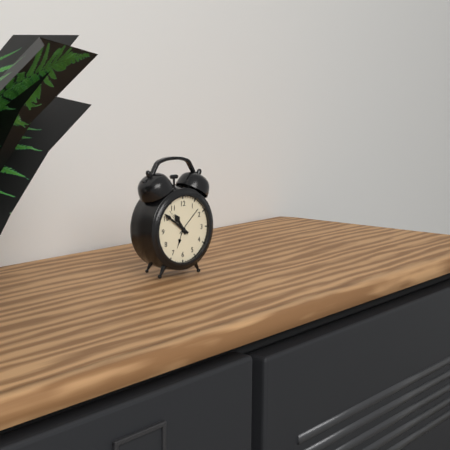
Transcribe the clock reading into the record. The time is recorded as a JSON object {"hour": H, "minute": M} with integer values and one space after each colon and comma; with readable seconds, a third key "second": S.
{"hour": 10, "minute": 51}
